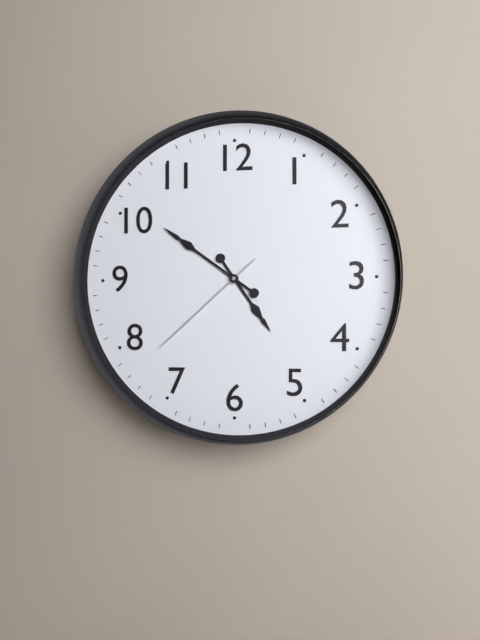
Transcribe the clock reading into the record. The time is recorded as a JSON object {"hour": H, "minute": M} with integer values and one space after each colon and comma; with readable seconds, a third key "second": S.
{"hour": 4, "minute": 51, "second": 38}
